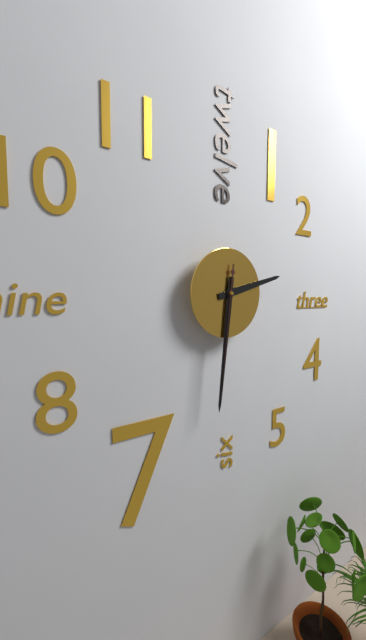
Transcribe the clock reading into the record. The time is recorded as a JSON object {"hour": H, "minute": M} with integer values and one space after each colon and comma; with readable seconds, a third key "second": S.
{"hour": 2, "minute": 31, "second": 31}
